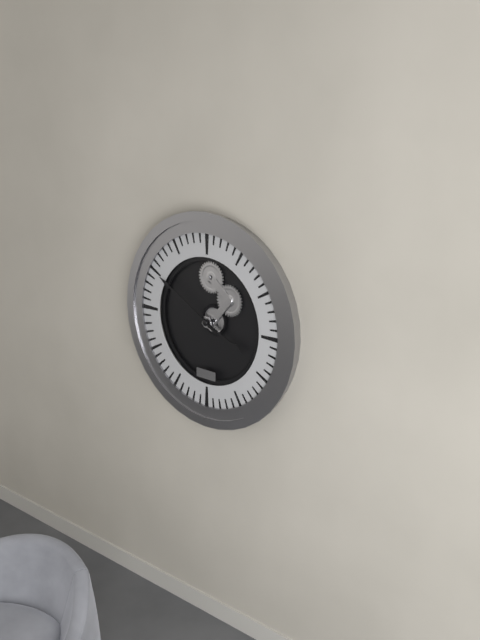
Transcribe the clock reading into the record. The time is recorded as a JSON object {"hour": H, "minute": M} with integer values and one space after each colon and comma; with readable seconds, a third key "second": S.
{"hour": 3, "minute": 50}
